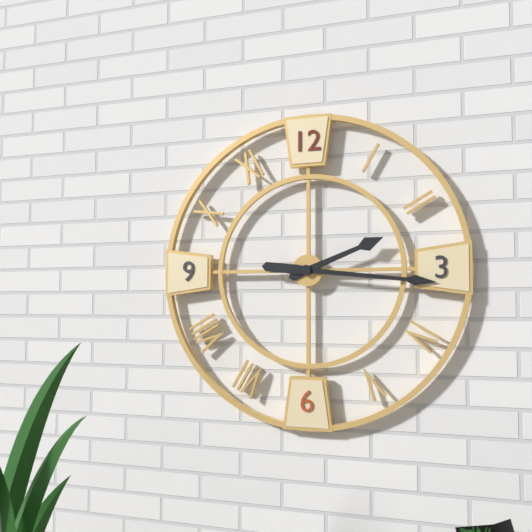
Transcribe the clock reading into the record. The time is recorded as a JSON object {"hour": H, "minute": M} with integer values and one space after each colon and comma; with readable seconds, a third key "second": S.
{"hour": 2, "minute": 16}
